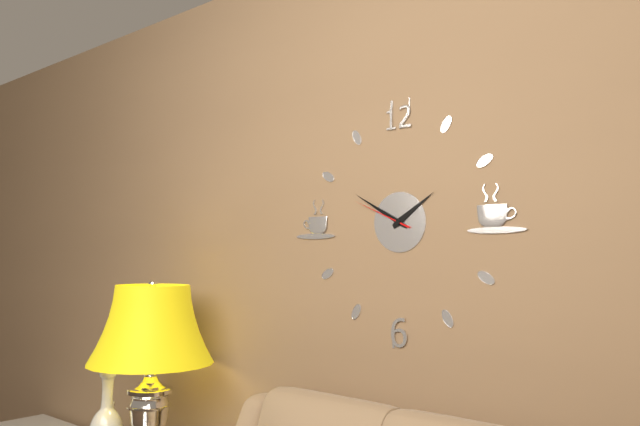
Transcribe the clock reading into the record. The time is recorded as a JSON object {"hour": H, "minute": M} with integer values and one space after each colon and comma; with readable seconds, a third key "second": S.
{"hour": 1, "minute": 50, "second": 49}
